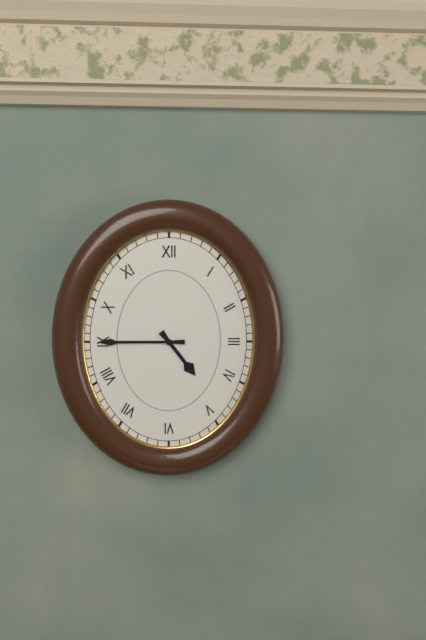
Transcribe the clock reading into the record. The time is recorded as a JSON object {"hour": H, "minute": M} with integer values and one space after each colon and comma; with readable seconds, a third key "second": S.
{"hour": 4, "minute": 45}
